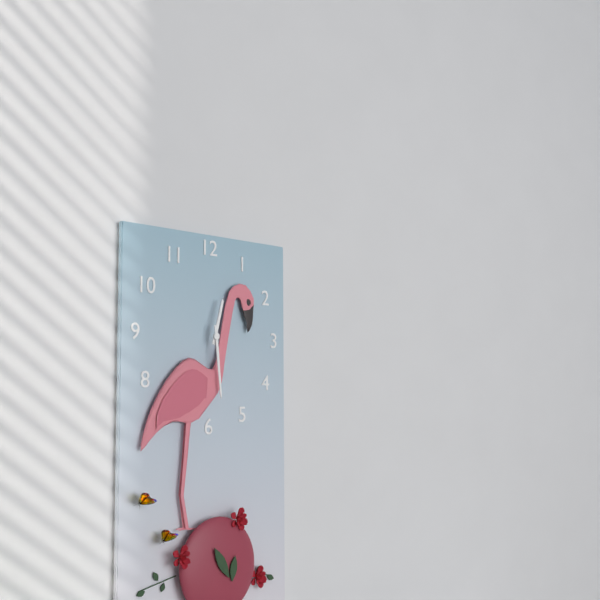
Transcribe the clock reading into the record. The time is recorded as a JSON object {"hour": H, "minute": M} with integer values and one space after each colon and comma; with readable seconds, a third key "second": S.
{"hour": 12, "minute": 29}
